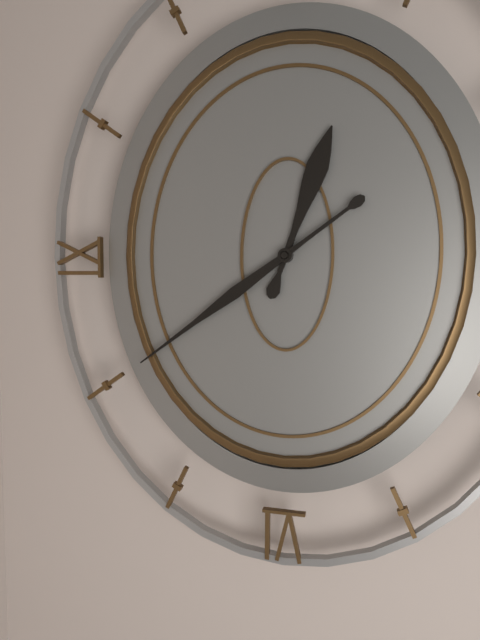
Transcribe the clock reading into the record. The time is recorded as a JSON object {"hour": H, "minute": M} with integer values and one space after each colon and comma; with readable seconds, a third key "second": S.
{"hour": 12, "minute": 39}
